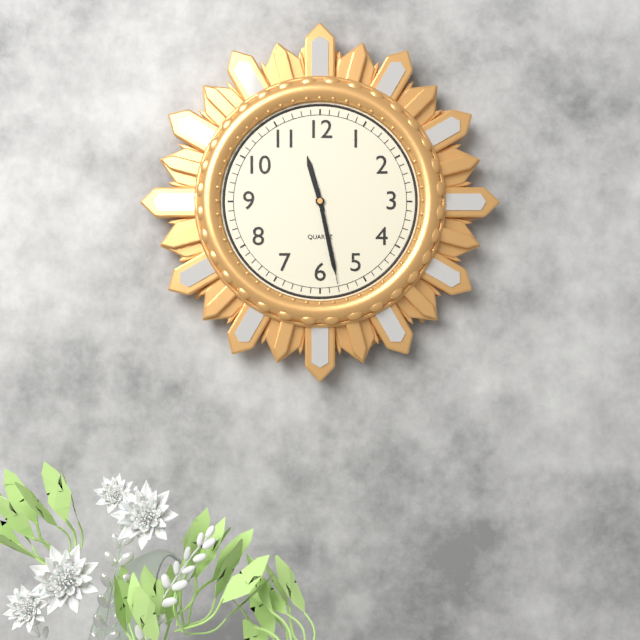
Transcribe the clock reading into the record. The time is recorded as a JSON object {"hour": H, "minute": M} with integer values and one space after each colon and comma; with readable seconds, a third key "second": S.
{"hour": 11, "minute": 28, "second": 28}
